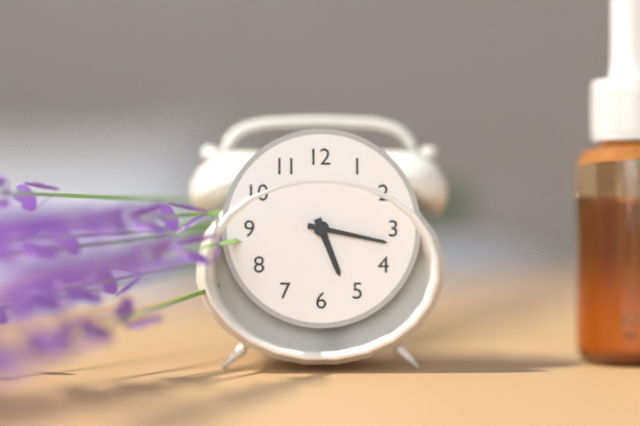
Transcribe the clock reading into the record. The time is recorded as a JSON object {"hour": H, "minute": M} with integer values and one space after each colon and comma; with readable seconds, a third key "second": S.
{"hour": 5, "minute": 17}
